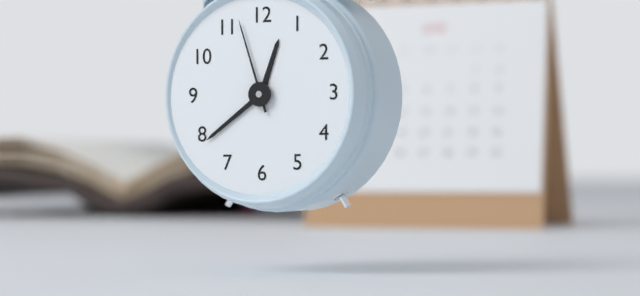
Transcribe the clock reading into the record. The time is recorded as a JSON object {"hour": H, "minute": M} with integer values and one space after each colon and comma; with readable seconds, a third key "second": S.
{"hour": 12, "minute": 39, "second": 57}
